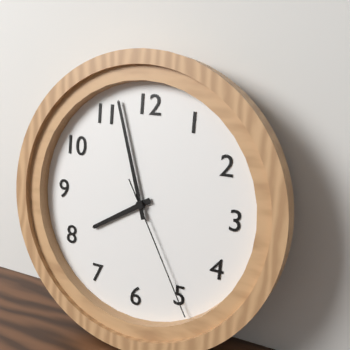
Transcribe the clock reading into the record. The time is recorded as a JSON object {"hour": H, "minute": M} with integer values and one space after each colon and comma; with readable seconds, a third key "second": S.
{"hour": 7, "minute": 57, "second": 25}
